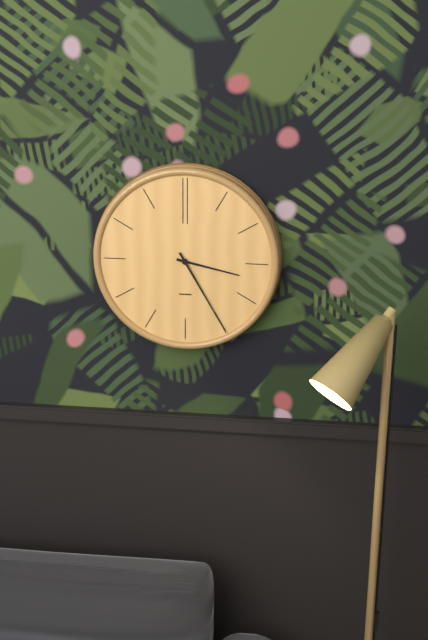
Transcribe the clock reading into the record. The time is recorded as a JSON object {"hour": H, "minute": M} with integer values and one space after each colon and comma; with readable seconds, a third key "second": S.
{"hour": 3, "minute": 25}
